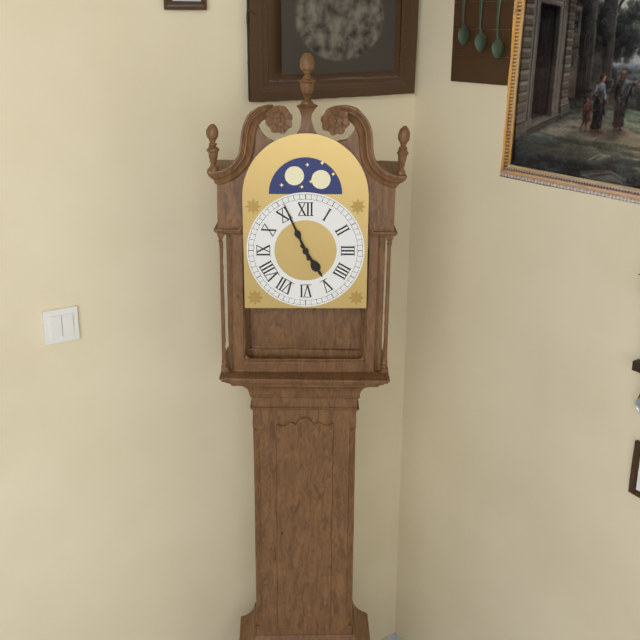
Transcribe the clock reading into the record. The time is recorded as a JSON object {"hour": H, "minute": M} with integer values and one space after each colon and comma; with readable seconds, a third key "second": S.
{"hour": 4, "minute": 56}
